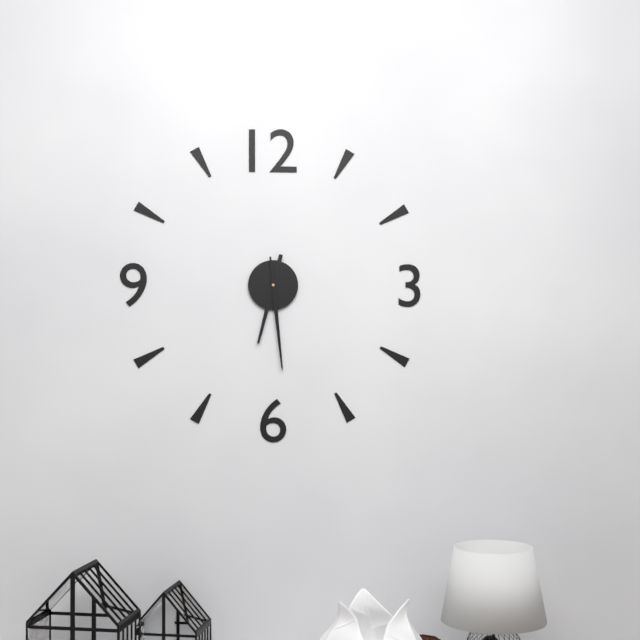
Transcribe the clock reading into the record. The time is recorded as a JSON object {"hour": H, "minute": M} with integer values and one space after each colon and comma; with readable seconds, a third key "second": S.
{"hour": 6, "minute": 29, "second": 29}
